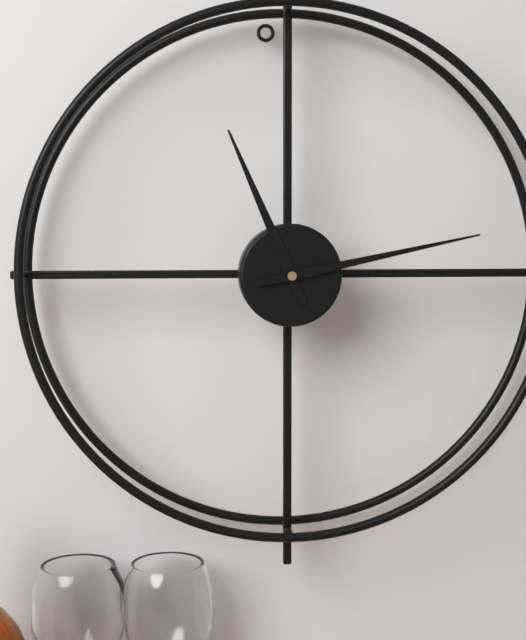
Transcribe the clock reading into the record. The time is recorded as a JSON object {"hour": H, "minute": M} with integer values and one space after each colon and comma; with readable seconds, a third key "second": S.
{"hour": 11, "minute": 13}
